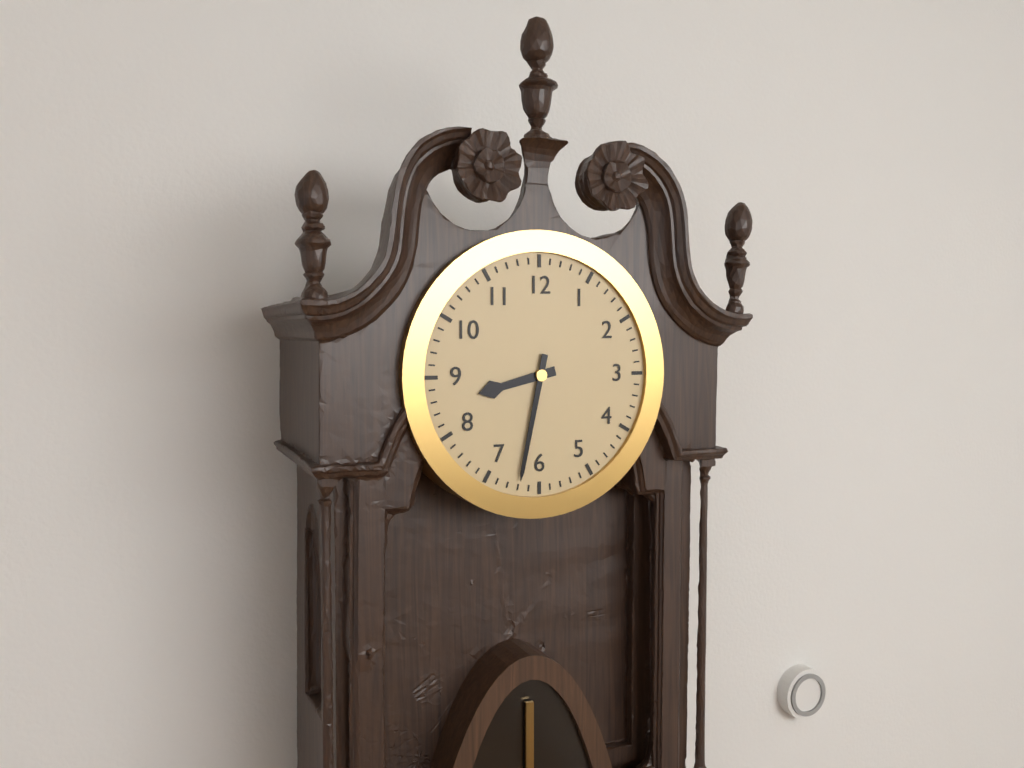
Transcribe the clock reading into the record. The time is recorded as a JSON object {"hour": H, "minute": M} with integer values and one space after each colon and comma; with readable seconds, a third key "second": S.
{"hour": 8, "minute": 32}
